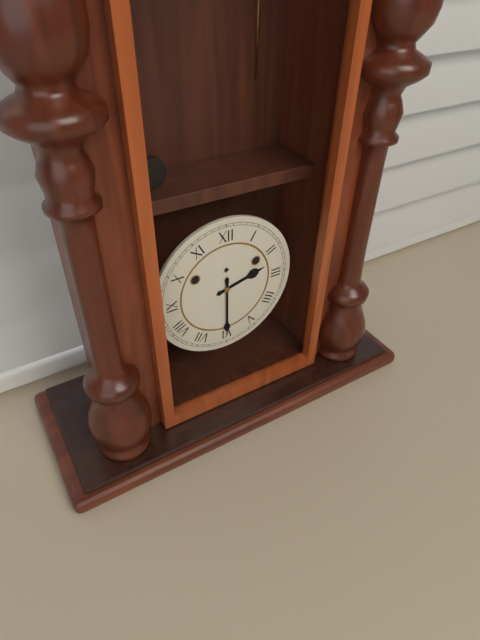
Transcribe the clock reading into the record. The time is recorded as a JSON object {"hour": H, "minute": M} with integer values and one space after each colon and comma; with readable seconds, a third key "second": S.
{"hour": 2, "minute": 30}
